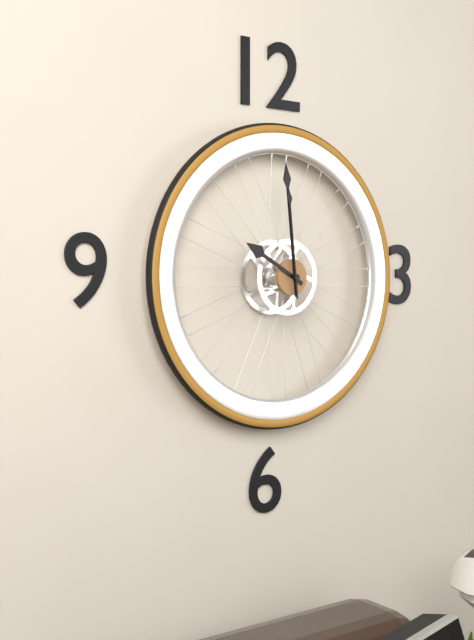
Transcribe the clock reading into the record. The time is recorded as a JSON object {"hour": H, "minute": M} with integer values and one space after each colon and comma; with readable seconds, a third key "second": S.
{"hour": 9, "minute": 59, "second": 59}
